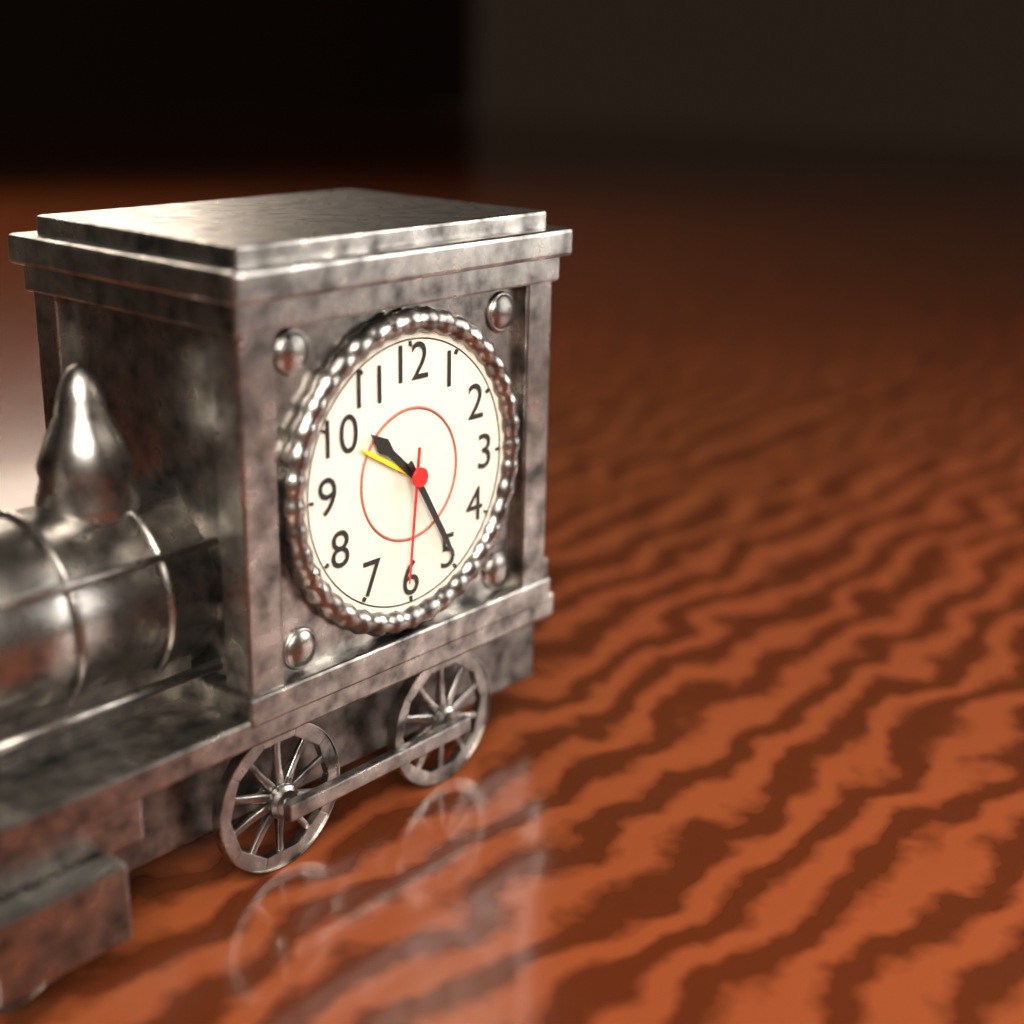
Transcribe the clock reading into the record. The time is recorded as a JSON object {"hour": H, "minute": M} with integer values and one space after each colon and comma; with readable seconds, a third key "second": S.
{"hour": 10, "minute": 25, "second": 31}
